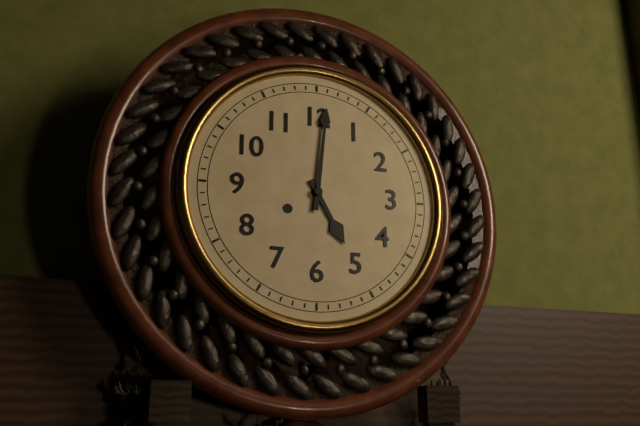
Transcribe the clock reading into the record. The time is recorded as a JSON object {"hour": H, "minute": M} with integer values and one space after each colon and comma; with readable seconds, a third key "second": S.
{"hour": 5, "minute": 1}
